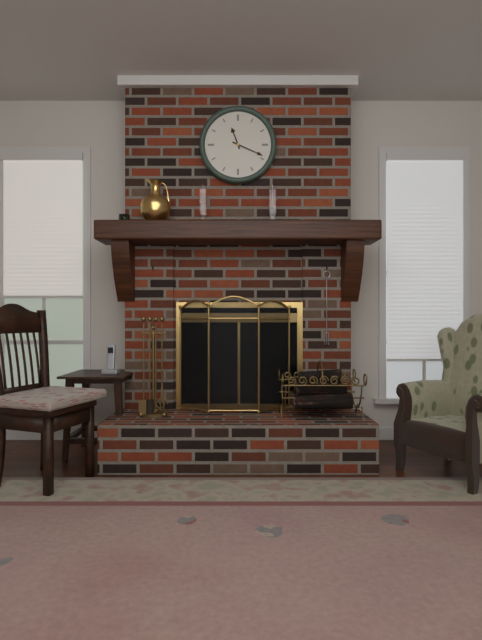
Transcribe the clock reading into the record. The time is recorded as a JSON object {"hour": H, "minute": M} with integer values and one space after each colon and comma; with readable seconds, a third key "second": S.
{"hour": 11, "minute": 19}
